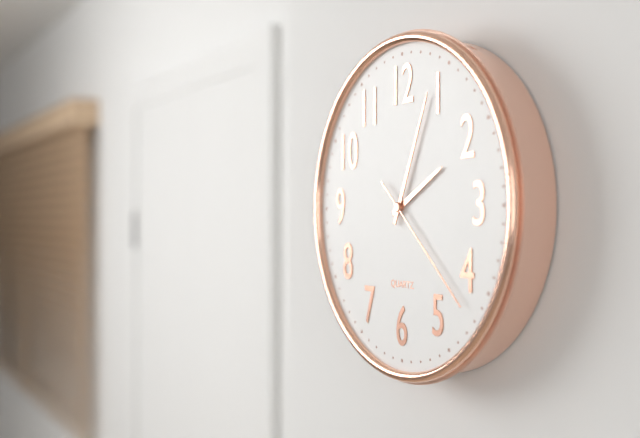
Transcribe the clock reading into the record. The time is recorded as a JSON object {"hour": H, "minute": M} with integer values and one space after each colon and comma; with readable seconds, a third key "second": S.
{"hour": 2, "minute": 4, "second": 22}
